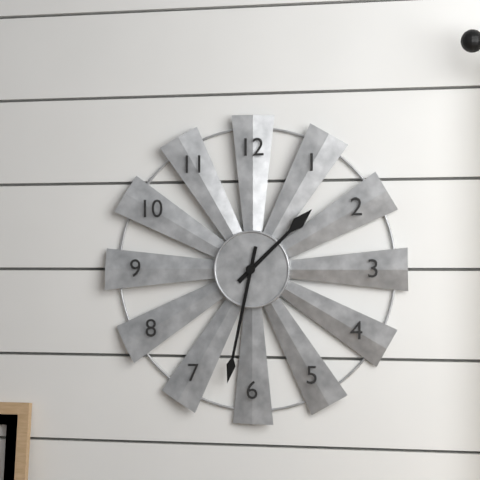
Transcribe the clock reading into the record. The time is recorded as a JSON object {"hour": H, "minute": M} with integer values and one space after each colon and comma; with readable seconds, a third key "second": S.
{"hour": 1, "minute": 32}
